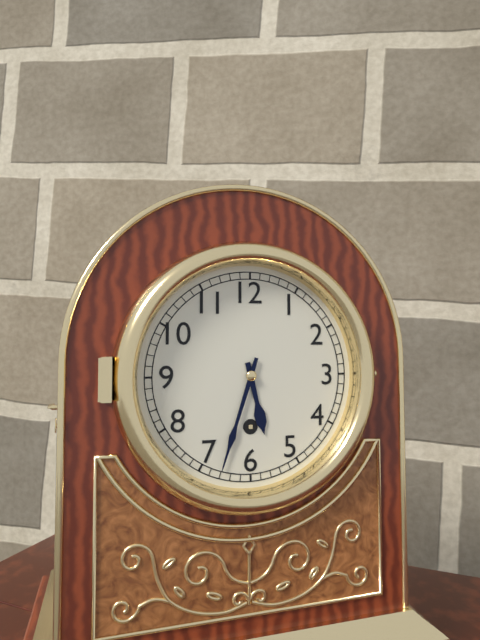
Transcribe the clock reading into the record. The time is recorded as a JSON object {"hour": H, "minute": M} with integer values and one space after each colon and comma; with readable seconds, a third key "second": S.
{"hour": 5, "minute": 33}
